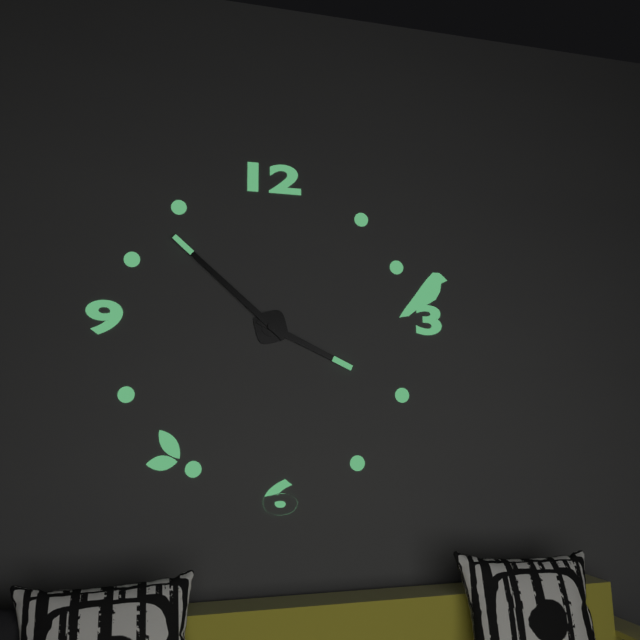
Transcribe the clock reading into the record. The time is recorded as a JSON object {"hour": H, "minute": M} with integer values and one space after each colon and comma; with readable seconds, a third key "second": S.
{"hour": 3, "minute": 52}
